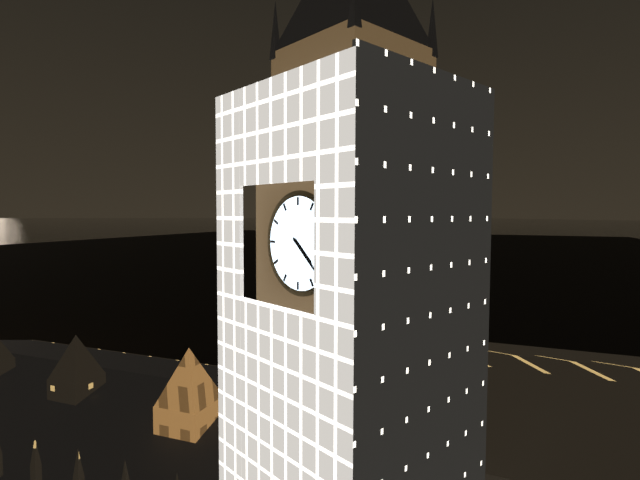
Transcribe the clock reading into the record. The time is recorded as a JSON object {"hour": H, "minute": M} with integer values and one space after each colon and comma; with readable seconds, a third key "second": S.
{"hour": 4, "minute": 22}
